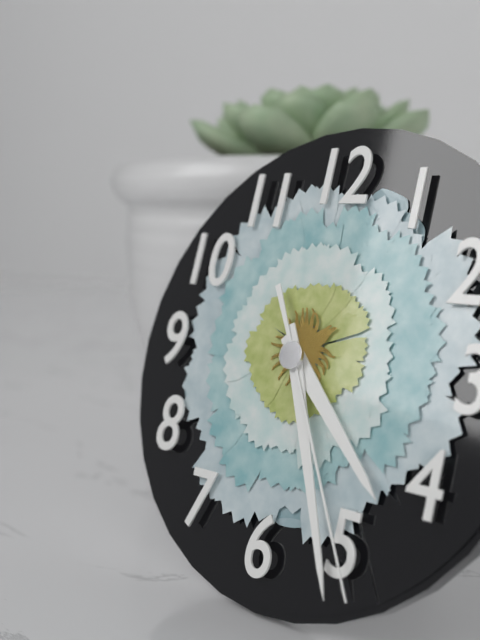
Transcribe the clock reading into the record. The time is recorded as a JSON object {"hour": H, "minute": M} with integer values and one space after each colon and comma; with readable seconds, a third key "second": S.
{"hour": 4, "minute": 26, "second": 25}
